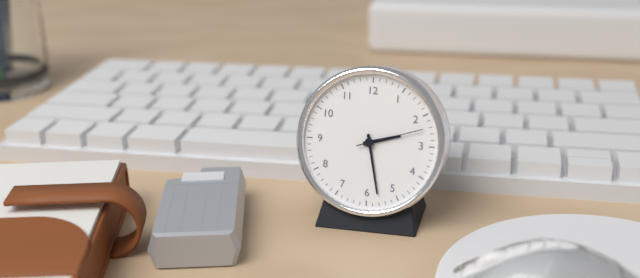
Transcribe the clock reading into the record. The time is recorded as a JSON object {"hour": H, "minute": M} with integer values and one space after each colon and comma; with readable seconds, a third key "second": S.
{"hour": 2, "minute": 28, "second": 12}
